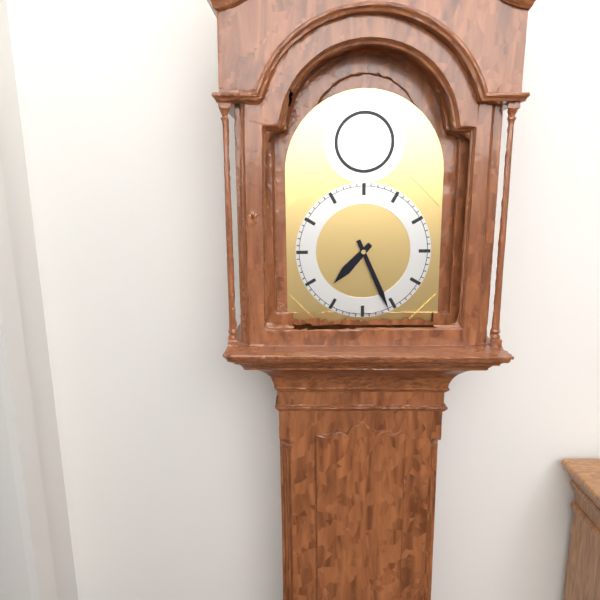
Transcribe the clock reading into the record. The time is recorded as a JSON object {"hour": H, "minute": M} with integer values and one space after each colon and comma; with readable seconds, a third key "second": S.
{"hour": 7, "minute": 26}
